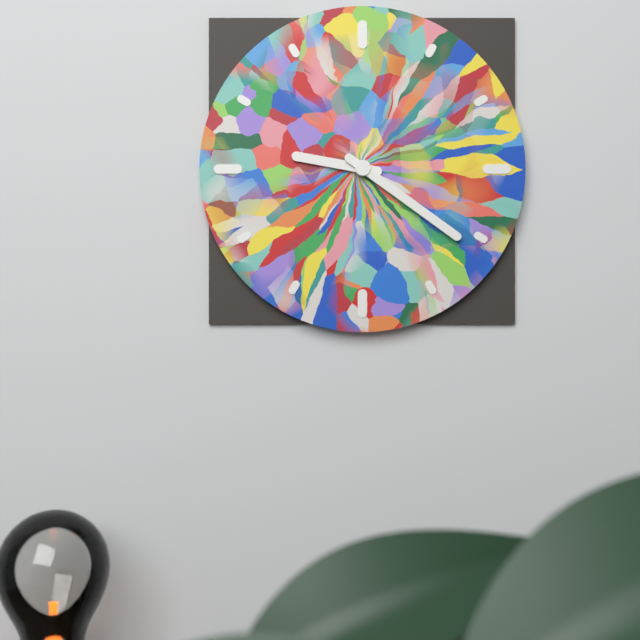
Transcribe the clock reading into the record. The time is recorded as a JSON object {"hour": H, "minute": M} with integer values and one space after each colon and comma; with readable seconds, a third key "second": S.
{"hour": 9, "minute": 21}
